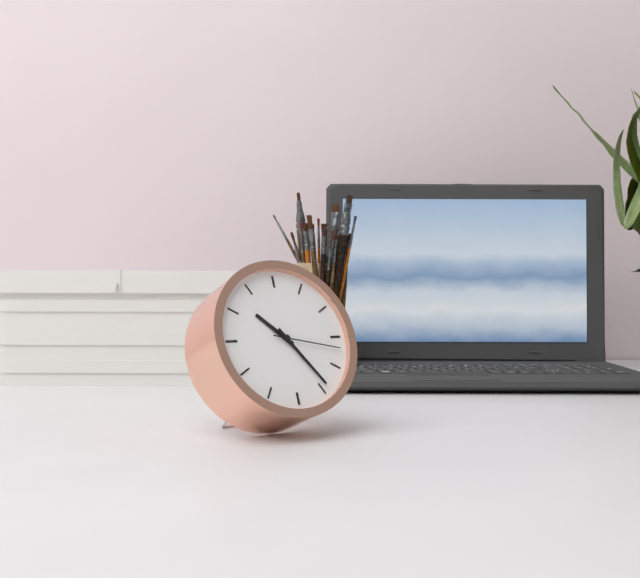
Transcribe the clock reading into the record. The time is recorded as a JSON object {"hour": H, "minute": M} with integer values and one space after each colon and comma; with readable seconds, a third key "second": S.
{"hour": 10, "minute": 24, "second": 17}
